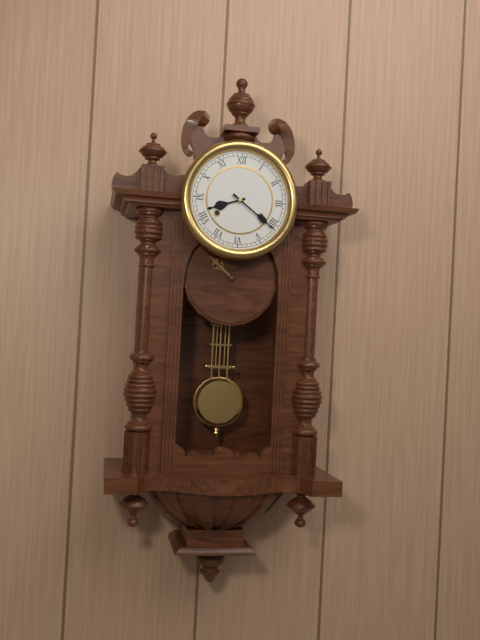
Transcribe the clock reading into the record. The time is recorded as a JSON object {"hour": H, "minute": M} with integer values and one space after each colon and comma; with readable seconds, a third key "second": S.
{"hour": 8, "minute": 21}
